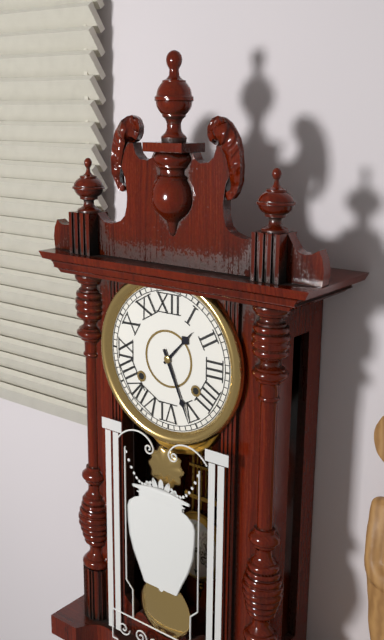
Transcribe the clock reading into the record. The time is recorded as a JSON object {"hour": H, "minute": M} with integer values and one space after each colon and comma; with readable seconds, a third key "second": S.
{"hour": 1, "minute": 26}
